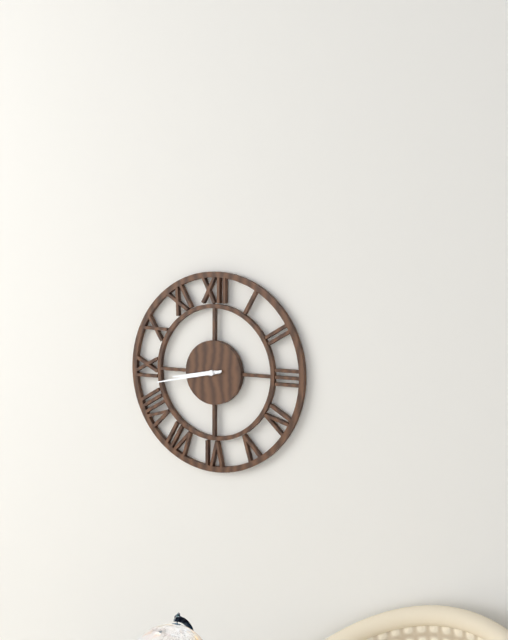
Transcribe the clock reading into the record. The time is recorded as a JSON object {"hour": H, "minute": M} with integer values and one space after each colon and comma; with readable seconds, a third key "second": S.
{"hour": 8, "minute": 43}
